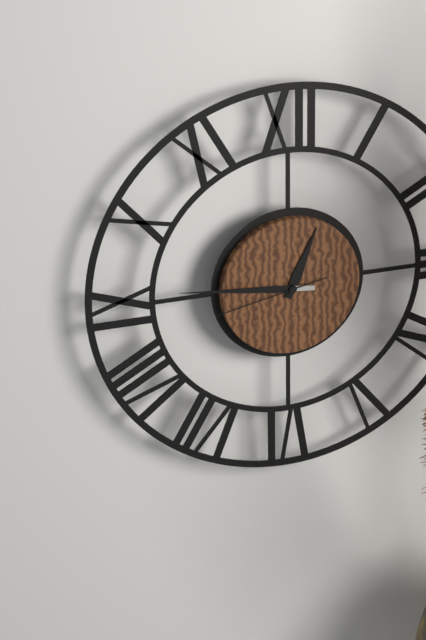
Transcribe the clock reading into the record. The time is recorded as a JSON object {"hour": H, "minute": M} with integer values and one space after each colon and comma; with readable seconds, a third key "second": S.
{"hour": 12, "minute": 46, "second": 43}
